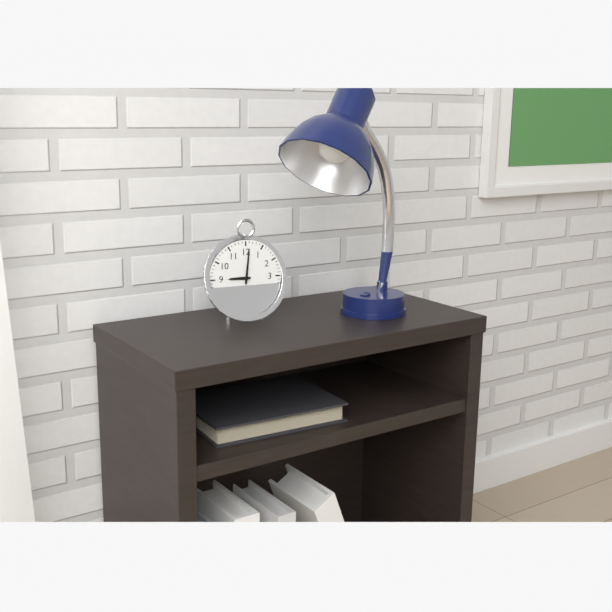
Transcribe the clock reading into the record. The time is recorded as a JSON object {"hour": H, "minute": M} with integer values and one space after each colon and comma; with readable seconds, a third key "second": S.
{"hour": 9, "minute": 1}
